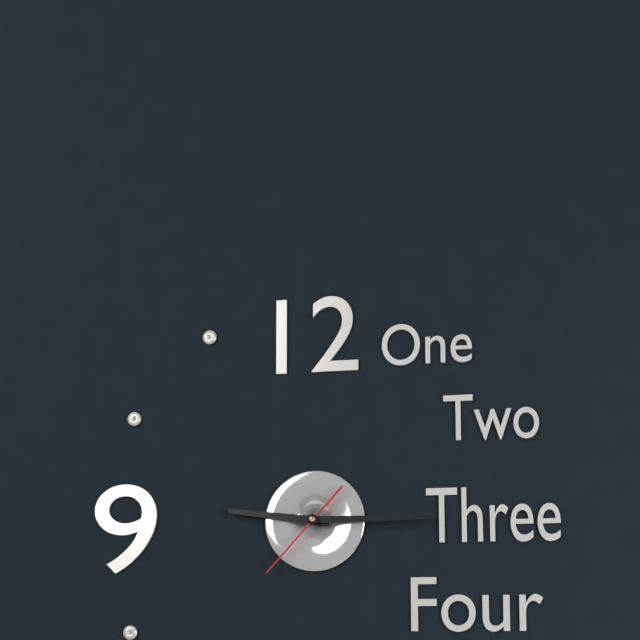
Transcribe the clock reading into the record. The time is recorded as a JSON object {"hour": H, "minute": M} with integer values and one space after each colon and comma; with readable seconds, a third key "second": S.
{"hour": 9, "minute": 15, "second": 37}
